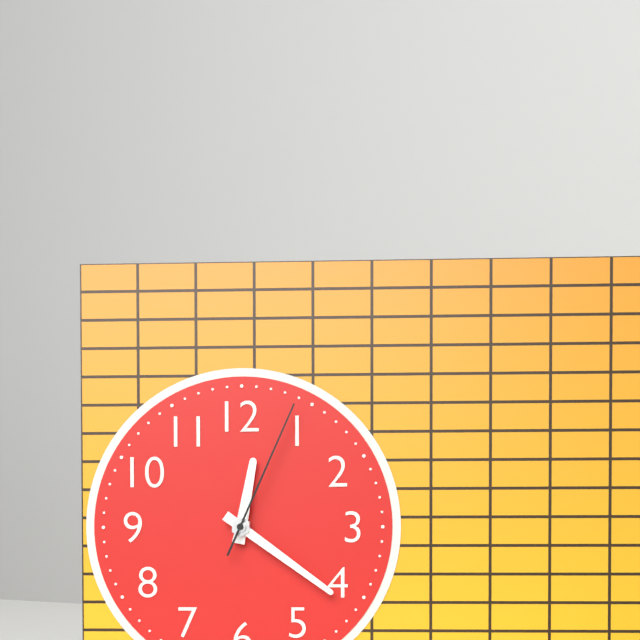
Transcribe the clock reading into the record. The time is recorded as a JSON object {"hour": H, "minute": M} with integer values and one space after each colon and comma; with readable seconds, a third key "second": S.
{"hour": 12, "minute": 21, "second": 4}
